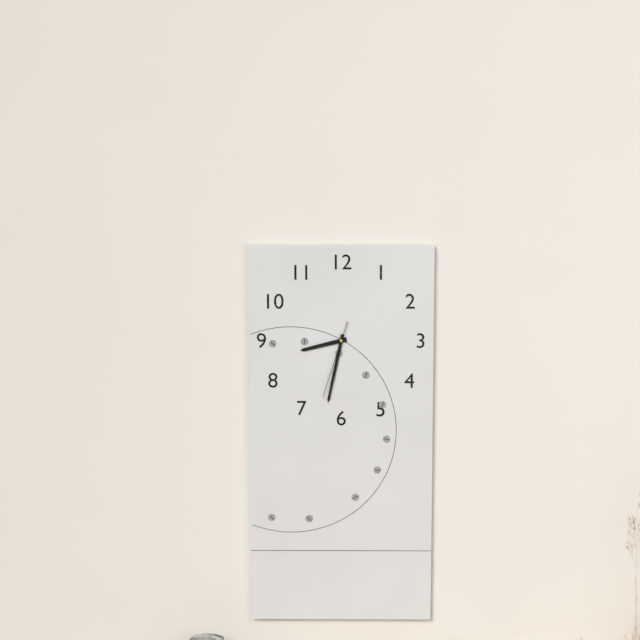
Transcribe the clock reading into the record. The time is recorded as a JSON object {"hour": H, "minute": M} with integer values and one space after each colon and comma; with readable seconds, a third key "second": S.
{"hour": 8, "minute": 32, "second": 33}
